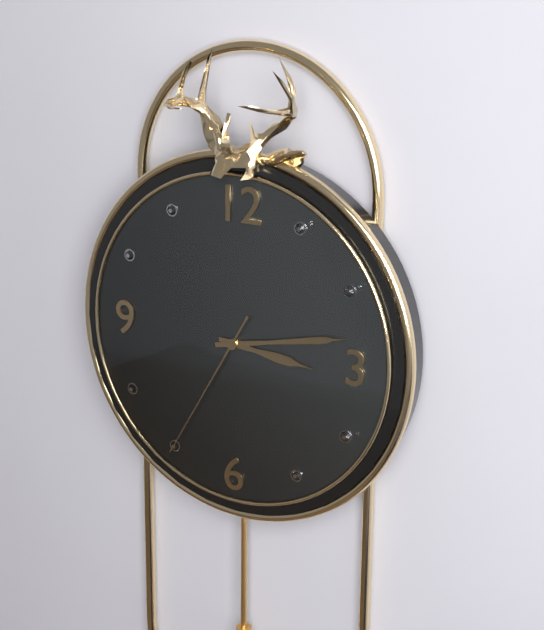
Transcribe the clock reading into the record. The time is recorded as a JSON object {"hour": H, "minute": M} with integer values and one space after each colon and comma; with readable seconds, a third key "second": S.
{"hour": 3, "minute": 13, "second": 35}
